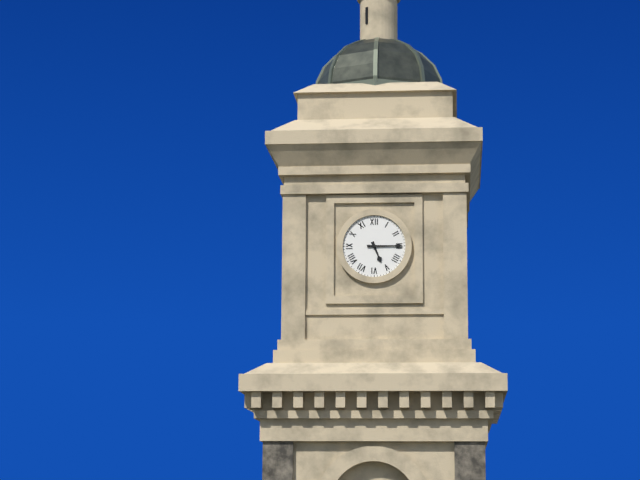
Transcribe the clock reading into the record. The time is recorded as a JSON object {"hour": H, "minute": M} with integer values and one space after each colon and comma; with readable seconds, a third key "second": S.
{"hour": 5, "minute": 15}
